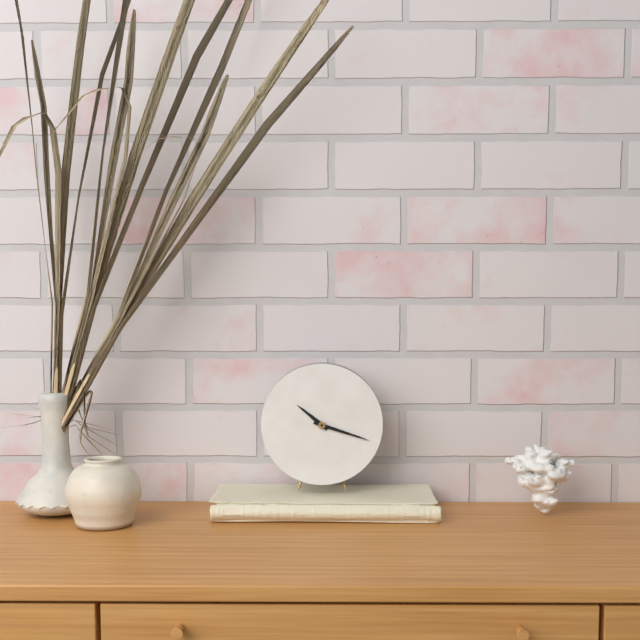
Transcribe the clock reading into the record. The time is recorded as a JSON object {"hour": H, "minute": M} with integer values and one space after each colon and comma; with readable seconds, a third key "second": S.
{"hour": 10, "minute": 18}
